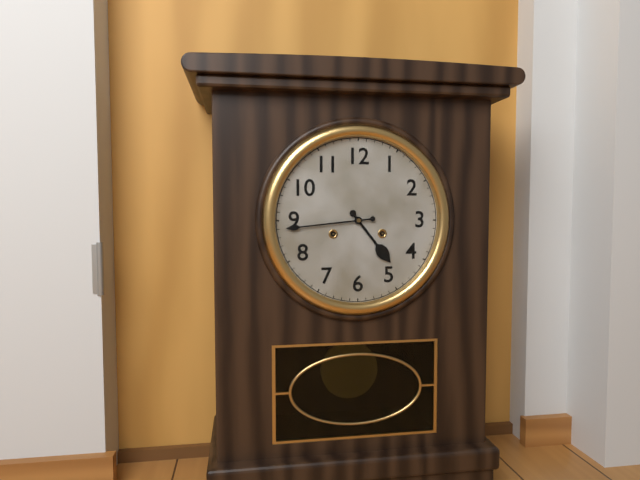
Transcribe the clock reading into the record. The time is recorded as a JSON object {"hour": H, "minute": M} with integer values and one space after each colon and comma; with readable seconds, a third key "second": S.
{"hour": 4, "minute": 44}
